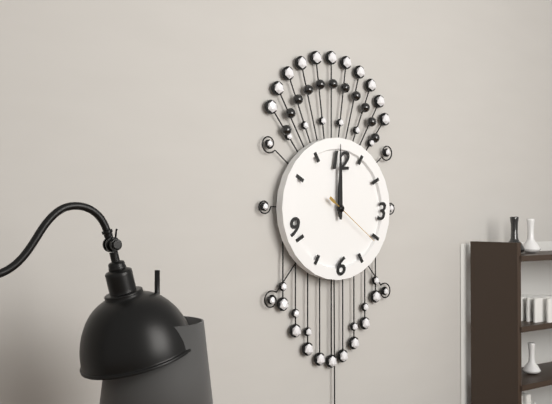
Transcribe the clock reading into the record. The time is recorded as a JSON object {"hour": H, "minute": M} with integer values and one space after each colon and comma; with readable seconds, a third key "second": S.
{"hour": 12, "minute": 0, "second": 21}
